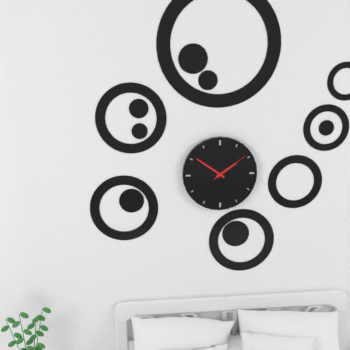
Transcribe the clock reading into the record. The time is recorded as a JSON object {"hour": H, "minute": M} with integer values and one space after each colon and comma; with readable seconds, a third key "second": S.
{"hour": 1, "minute": 51}
